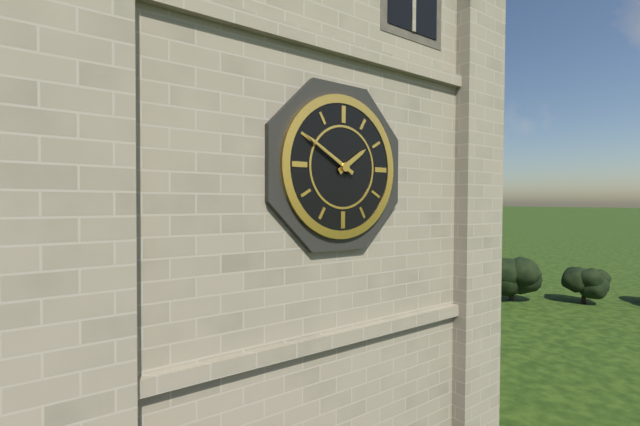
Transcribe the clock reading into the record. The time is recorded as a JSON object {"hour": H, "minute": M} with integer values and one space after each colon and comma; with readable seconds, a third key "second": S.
{"hour": 1, "minute": 50}
